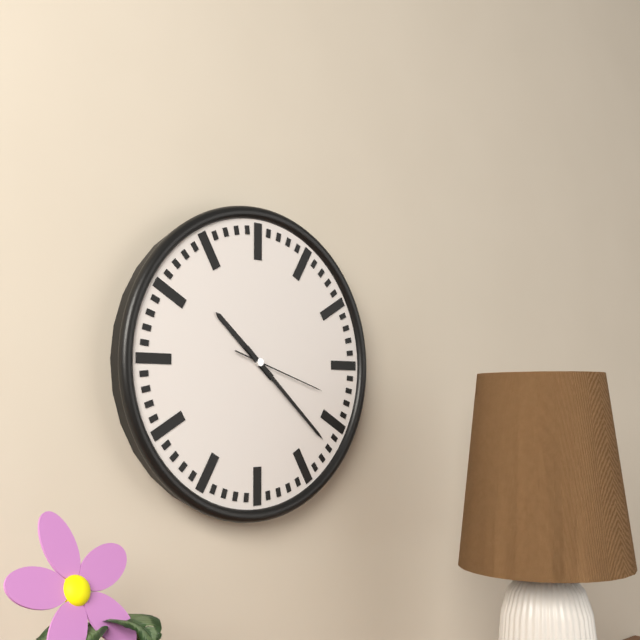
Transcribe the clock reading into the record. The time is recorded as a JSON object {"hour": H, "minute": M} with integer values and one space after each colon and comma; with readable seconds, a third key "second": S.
{"hour": 10, "minute": 22, "second": 18}
